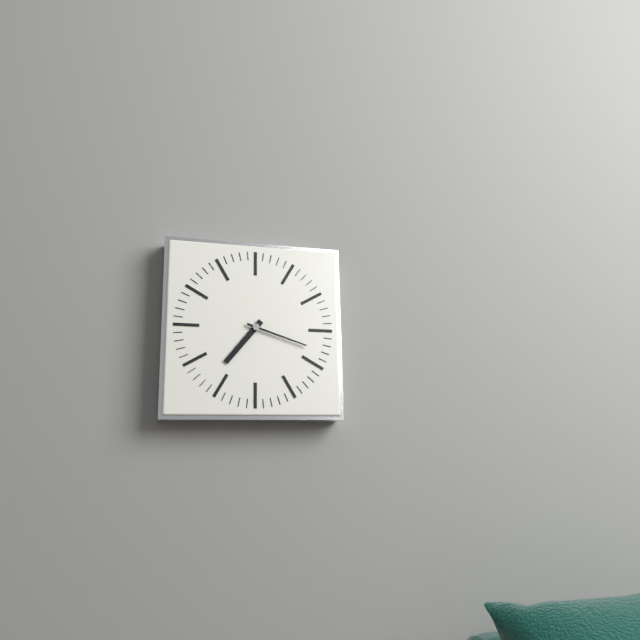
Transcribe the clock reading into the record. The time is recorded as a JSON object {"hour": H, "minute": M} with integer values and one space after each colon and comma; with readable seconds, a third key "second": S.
{"hour": 7, "minute": 18}
